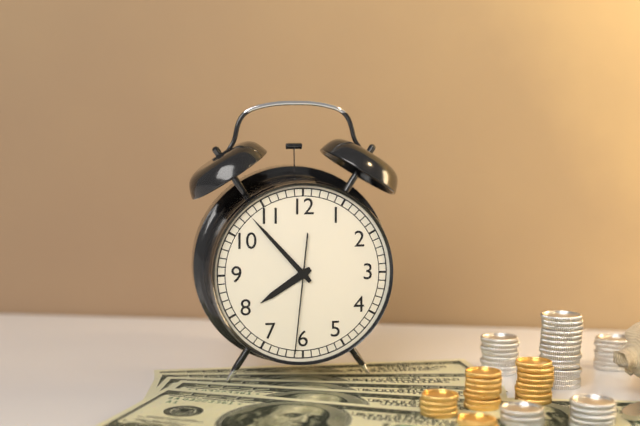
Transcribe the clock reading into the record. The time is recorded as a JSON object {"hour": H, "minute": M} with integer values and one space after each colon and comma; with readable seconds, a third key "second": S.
{"hour": 7, "minute": 53, "second": 31}
